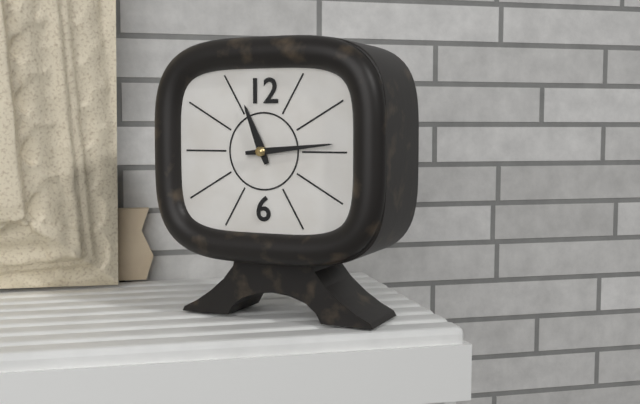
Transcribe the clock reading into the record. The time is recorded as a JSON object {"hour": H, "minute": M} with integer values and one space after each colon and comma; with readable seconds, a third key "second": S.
{"hour": 11, "minute": 14}
